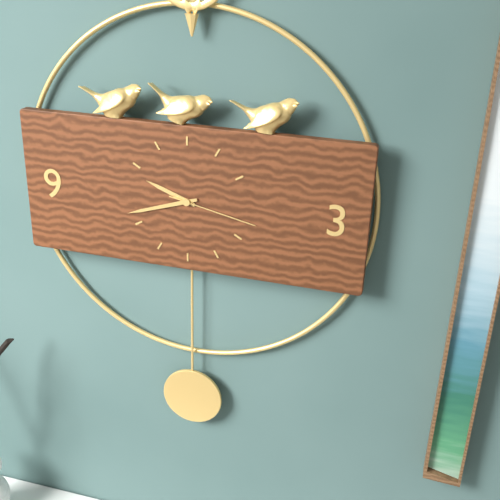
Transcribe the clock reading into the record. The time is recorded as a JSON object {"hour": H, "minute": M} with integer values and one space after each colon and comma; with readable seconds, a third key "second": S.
{"hour": 9, "minute": 42, "second": 17}
